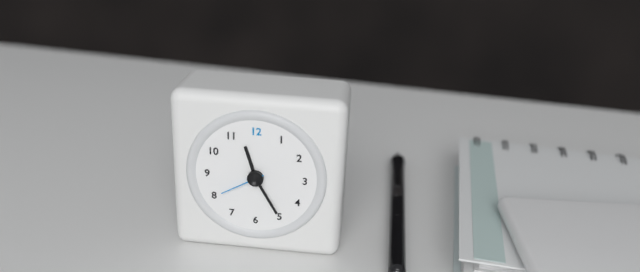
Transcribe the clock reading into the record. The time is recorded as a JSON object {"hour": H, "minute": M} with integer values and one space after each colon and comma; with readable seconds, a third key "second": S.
{"hour": 11, "minute": 25}
